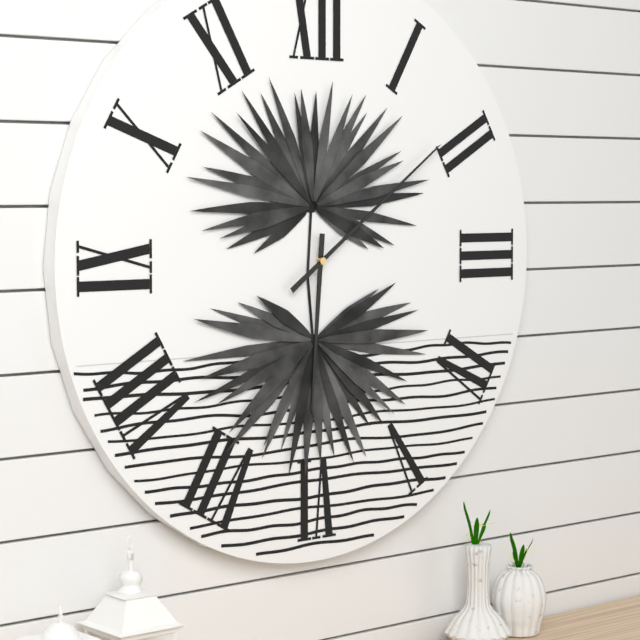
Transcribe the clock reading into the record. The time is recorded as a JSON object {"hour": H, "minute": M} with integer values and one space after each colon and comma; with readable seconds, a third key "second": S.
{"hour": 6, "minute": 9}
